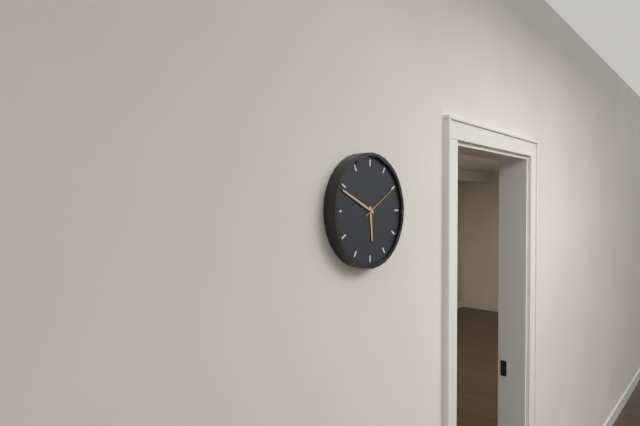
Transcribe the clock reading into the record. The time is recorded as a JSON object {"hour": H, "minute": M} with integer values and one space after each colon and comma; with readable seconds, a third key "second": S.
{"hour": 5, "minute": 49}
